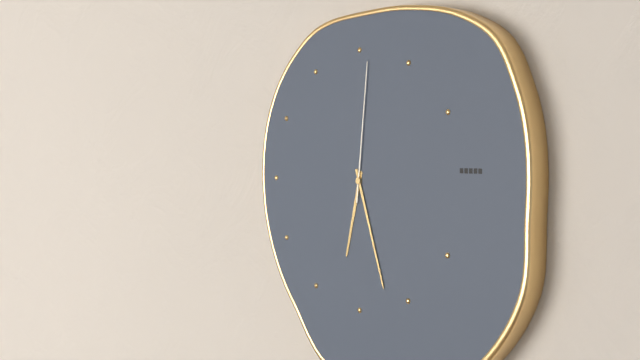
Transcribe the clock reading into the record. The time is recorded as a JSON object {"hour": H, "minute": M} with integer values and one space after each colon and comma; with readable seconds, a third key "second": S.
{"hour": 6, "minute": 27, "second": 1}
